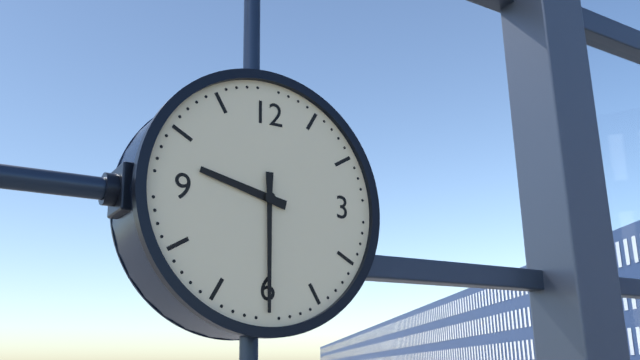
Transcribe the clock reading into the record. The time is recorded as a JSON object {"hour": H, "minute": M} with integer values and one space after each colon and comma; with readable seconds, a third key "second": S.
{"hour": 9, "minute": 30}
